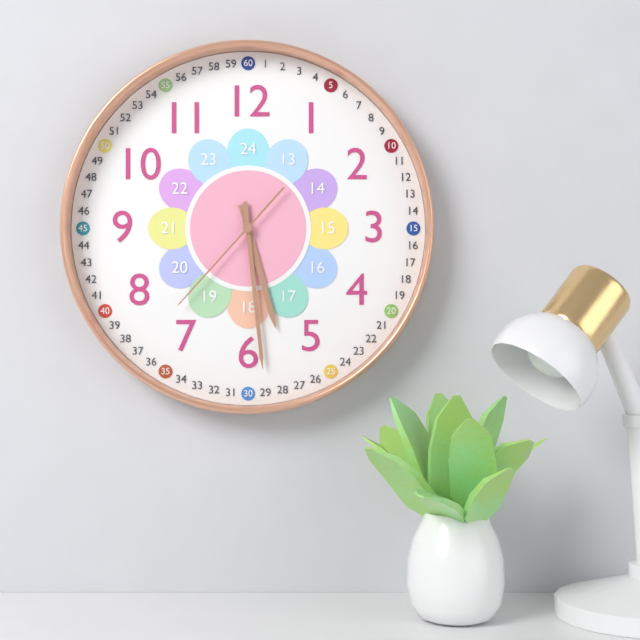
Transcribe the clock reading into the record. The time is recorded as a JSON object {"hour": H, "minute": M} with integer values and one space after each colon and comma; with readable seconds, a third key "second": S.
{"hour": 5, "minute": 29, "second": 37}
